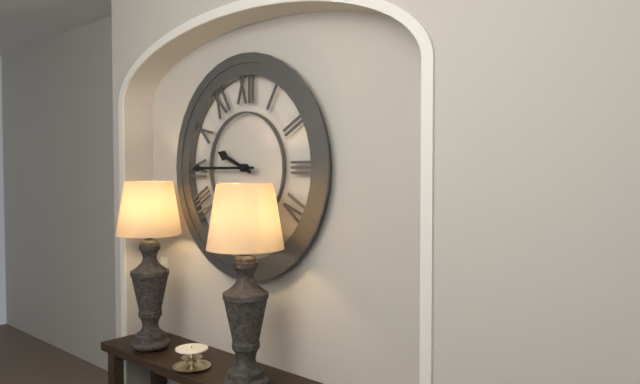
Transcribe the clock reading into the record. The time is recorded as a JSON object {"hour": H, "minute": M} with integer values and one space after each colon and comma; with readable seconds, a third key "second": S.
{"hour": 9, "minute": 45}
